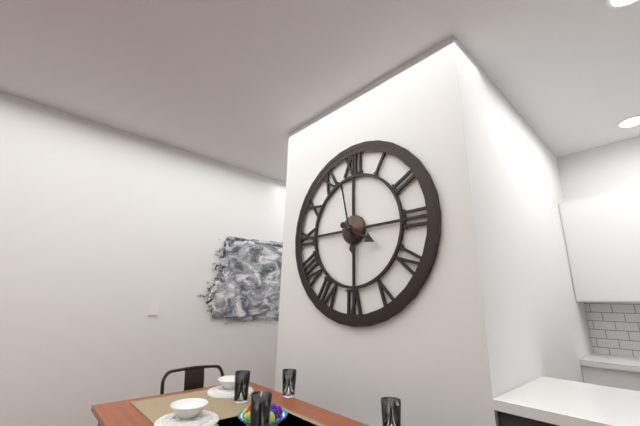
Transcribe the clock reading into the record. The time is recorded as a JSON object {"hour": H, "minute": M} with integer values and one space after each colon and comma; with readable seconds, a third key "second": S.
{"hour": 3, "minute": 58}
